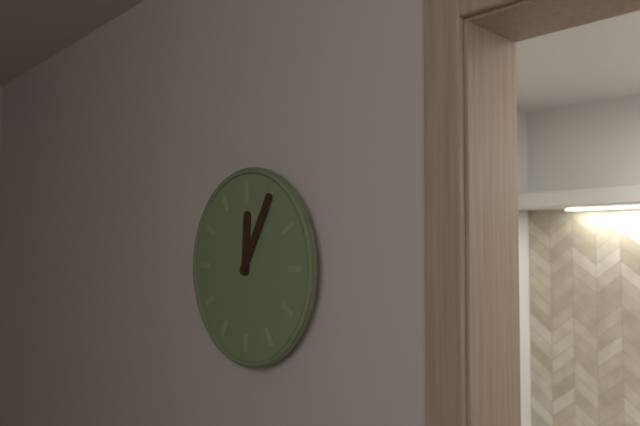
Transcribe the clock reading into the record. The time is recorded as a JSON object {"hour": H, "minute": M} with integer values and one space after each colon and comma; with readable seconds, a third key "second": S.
{"hour": 12, "minute": 5}
